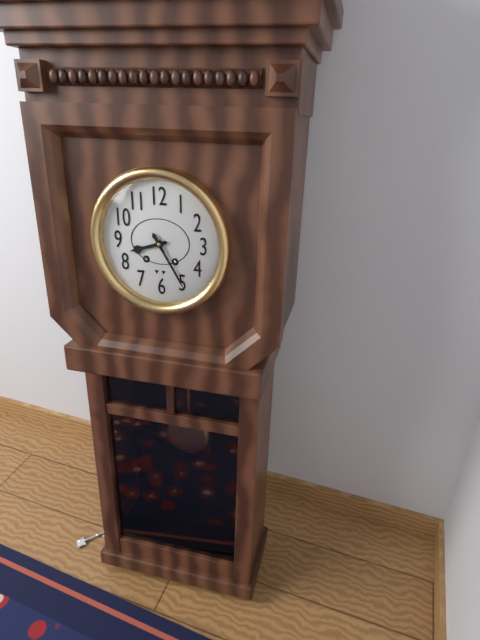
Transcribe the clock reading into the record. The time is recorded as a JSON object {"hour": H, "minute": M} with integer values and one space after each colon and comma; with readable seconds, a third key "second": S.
{"hour": 8, "minute": 25}
